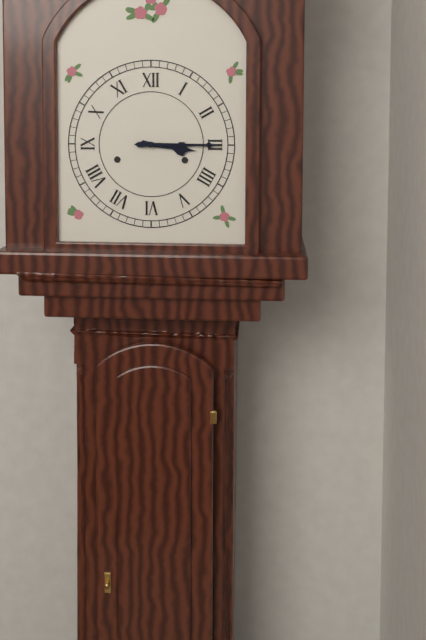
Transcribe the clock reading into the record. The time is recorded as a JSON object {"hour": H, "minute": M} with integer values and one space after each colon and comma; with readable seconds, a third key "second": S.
{"hour": 3, "minute": 15}
